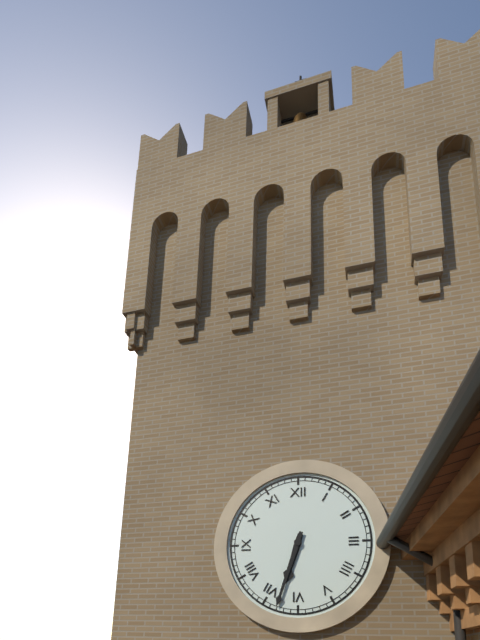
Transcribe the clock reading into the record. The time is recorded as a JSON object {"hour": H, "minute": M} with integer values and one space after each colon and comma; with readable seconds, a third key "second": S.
{"hour": 6, "minute": 33}
